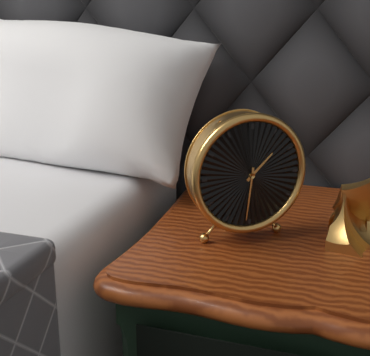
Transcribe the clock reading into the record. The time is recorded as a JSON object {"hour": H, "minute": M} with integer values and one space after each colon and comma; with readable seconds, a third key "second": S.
{"hour": 1, "minute": 31}
